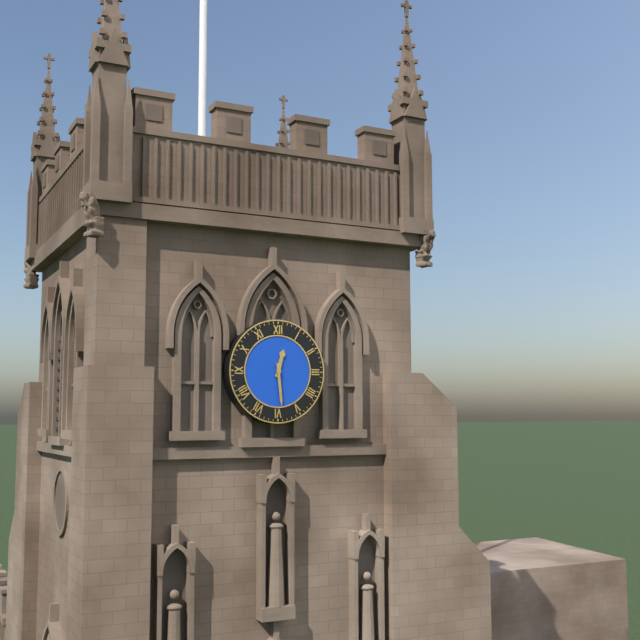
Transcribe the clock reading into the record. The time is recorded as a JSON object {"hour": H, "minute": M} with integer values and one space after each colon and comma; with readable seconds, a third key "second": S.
{"hour": 12, "minute": 29}
